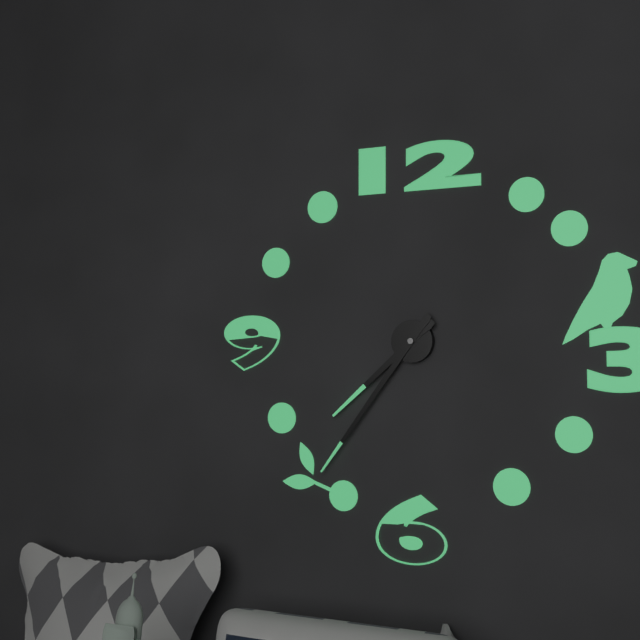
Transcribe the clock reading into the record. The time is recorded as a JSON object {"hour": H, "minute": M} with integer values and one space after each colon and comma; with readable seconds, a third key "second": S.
{"hour": 7, "minute": 36}
